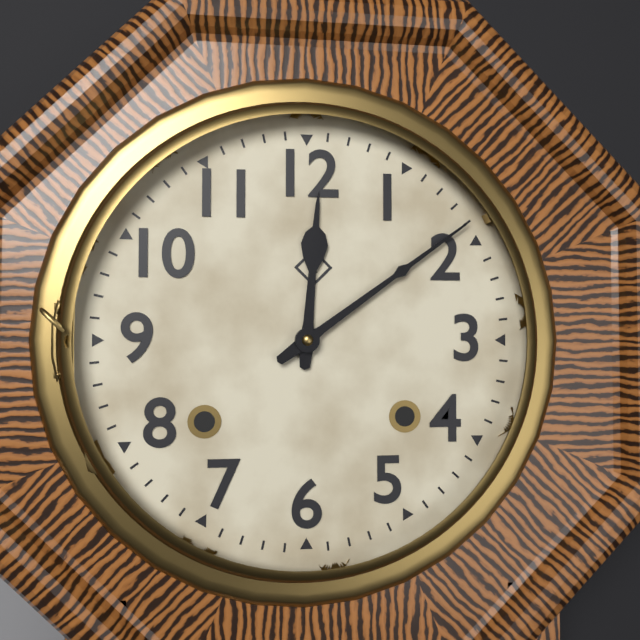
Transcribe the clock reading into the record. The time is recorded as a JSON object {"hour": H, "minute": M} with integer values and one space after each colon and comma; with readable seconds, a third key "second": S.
{"hour": 12, "minute": 9}
